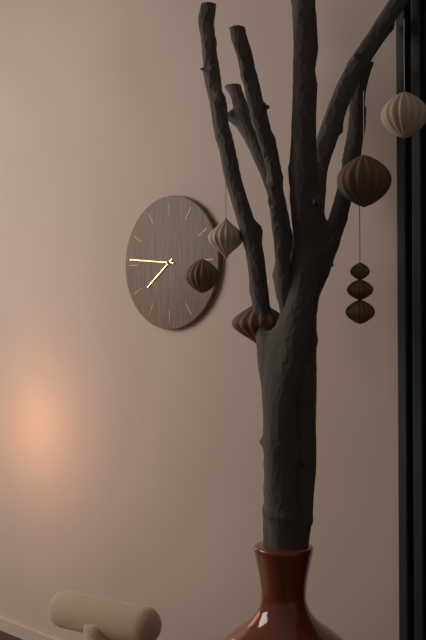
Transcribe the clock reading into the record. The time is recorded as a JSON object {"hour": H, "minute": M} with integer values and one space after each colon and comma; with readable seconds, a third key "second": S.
{"hour": 7, "minute": 46}
